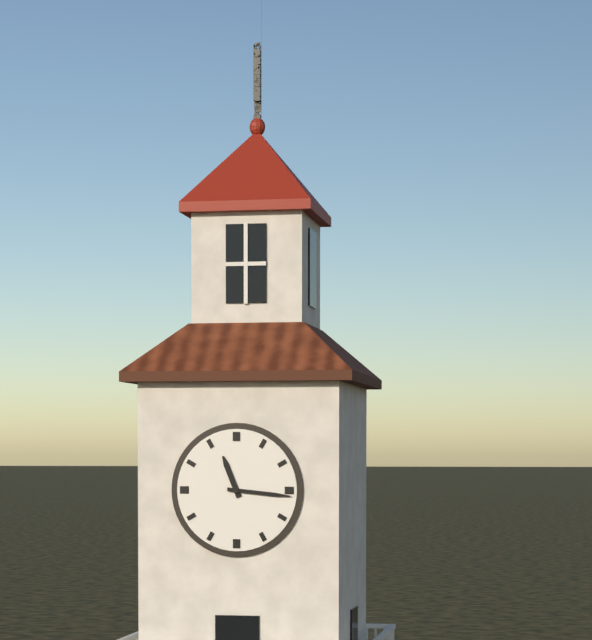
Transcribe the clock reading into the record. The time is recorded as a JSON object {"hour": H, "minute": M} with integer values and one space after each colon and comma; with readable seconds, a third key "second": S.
{"hour": 11, "minute": 16}
